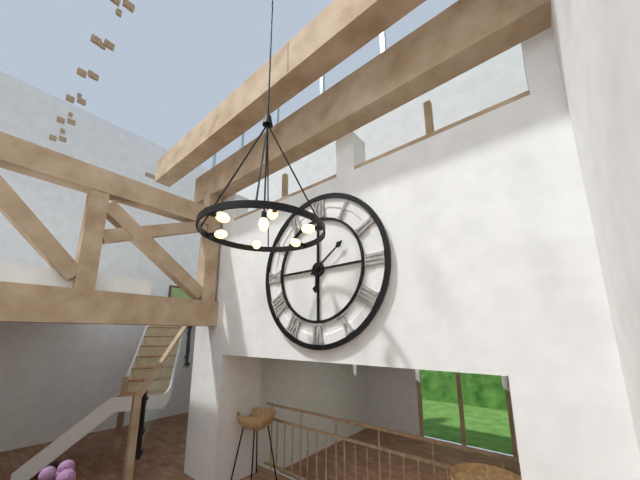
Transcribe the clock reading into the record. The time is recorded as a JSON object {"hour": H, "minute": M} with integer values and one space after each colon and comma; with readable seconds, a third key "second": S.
{"hour": 6, "minute": 9}
